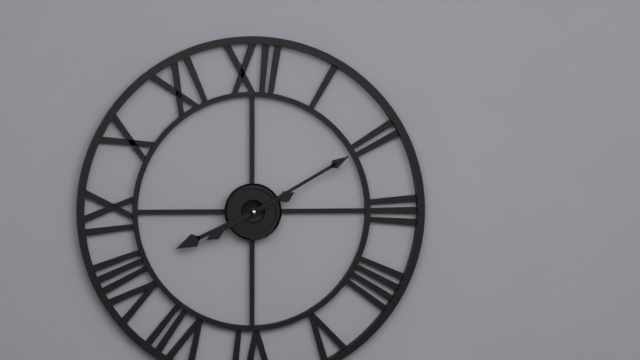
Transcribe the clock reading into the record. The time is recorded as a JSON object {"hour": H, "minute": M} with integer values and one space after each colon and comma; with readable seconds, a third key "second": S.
{"hour": 8, "minute": 10}
